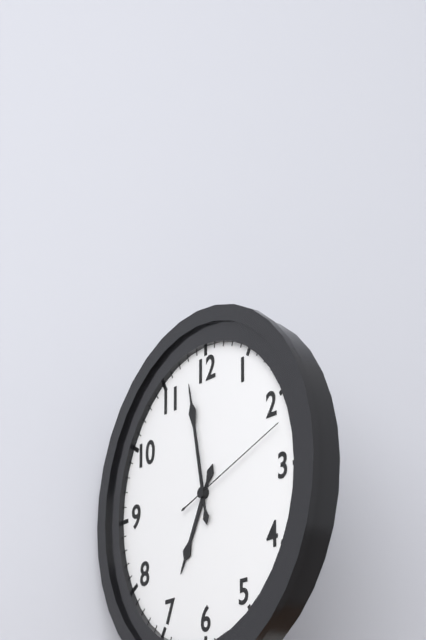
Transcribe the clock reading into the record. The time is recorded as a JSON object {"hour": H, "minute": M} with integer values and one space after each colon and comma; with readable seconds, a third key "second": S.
{"hour": 6, "minute": 58, "second": 12}
